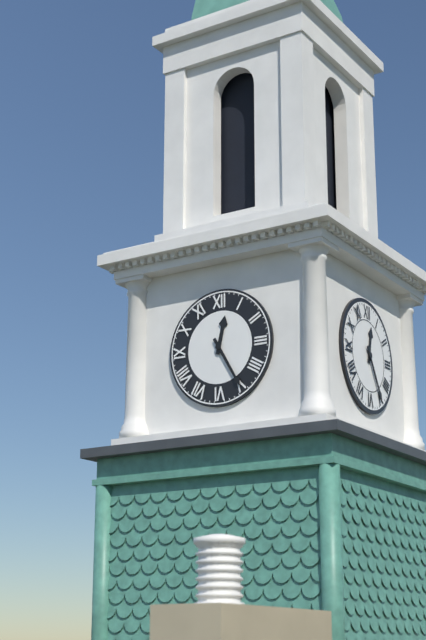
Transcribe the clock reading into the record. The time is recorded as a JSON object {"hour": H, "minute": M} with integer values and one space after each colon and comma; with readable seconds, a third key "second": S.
{"hour": 12, "minute": 25}
